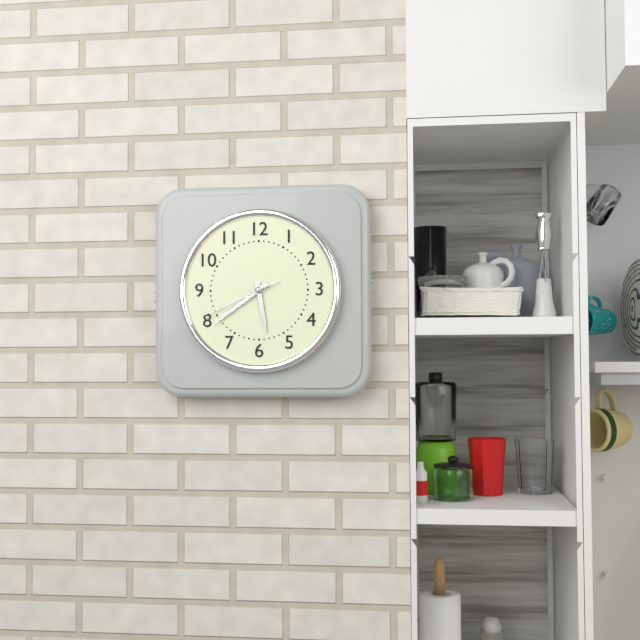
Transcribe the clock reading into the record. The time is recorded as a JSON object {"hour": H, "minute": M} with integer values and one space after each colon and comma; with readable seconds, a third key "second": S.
{"hour": 5, "minute": 39, "second": 41}
